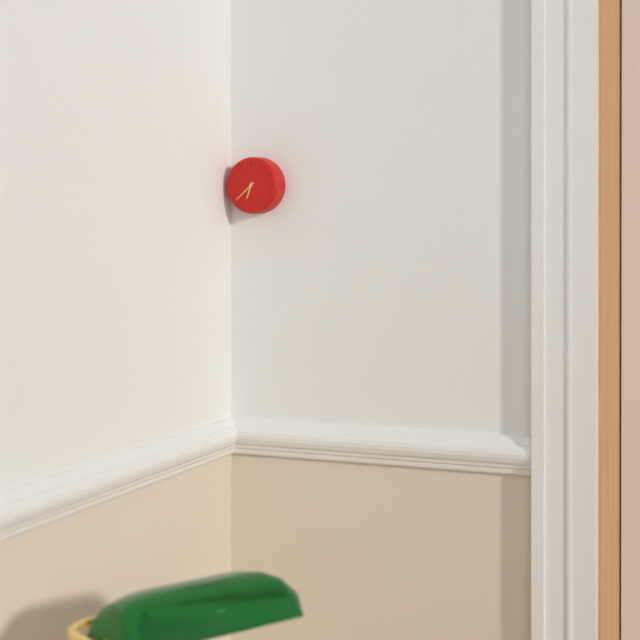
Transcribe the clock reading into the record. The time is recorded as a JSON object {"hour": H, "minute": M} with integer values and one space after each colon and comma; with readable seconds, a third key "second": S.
{"hour": 6, "minute": 38}
